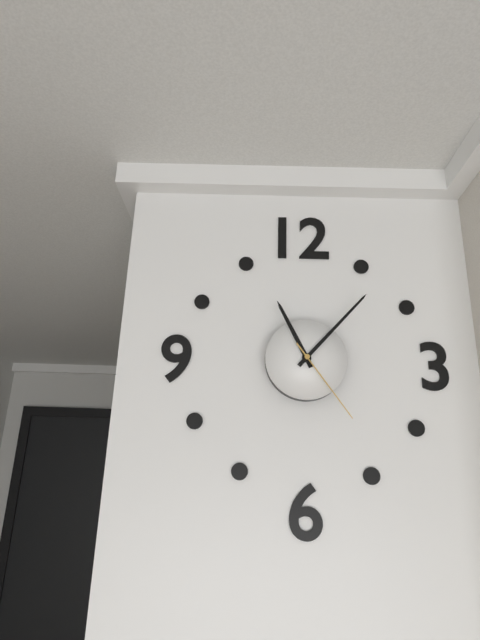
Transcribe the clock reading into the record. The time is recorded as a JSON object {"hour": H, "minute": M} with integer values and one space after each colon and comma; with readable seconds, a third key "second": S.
{"hour": 11, "minute": 7, "second": 24}
